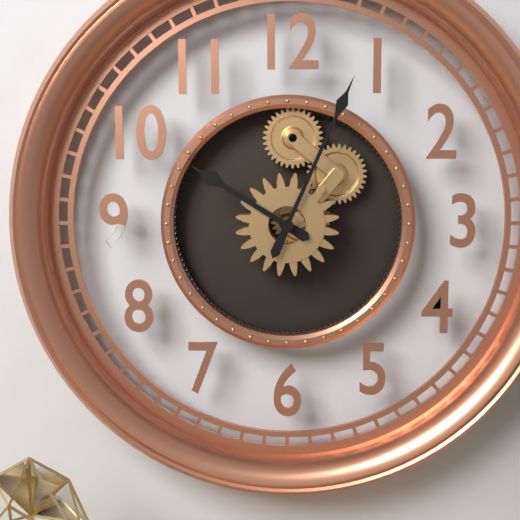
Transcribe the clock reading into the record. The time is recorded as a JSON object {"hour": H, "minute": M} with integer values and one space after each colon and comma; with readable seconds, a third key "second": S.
{"hour": 10, "minute": 4}
